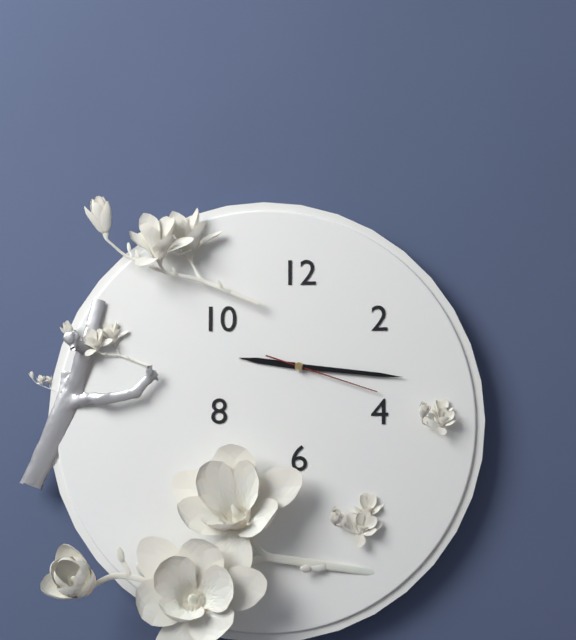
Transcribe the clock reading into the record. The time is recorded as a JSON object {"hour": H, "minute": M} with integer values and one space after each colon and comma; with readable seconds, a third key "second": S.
{"hour": 9, "minute": 16, "second": 18}
